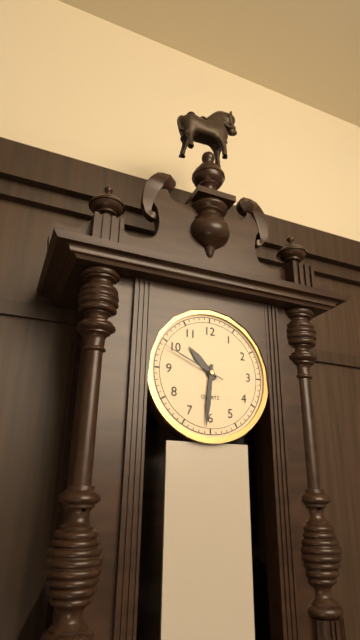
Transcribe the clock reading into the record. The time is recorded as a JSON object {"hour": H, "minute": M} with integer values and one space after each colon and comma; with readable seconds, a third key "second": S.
{"hour": 10, "minute": 31, "second": 49}
